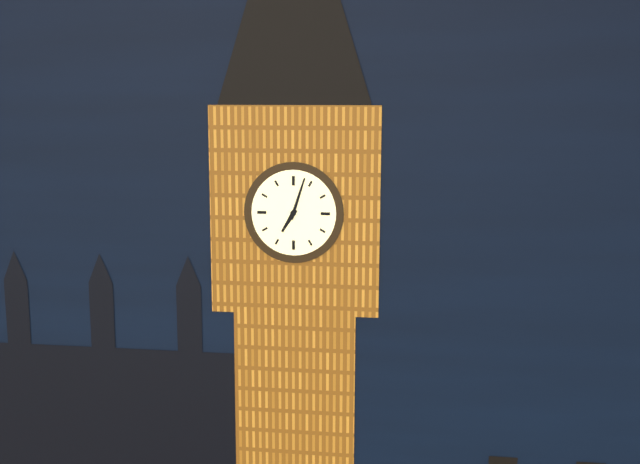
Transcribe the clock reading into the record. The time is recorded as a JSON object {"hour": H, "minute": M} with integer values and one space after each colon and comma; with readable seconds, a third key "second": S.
{"hour": 7, "minute": 3}
